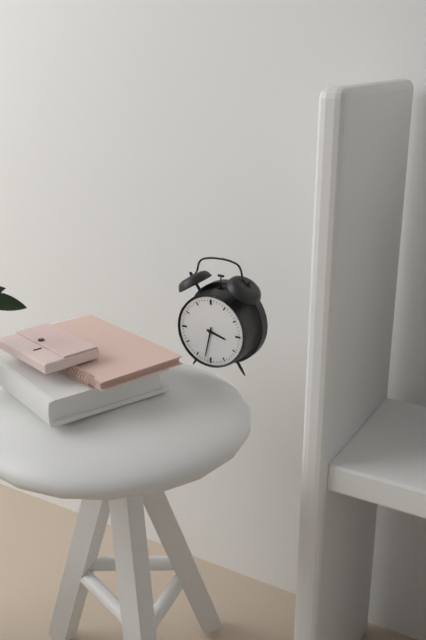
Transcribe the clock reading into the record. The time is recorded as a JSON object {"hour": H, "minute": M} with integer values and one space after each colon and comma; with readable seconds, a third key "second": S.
{"hour": 3, "minute": 32}
